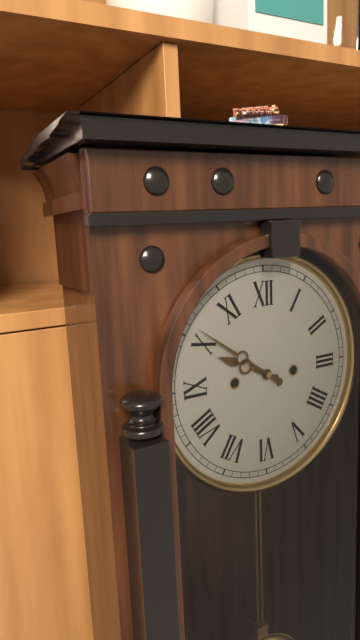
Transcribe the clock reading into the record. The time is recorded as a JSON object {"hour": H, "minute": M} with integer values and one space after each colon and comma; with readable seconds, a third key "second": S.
{"hour": 9, "minute": 51}
